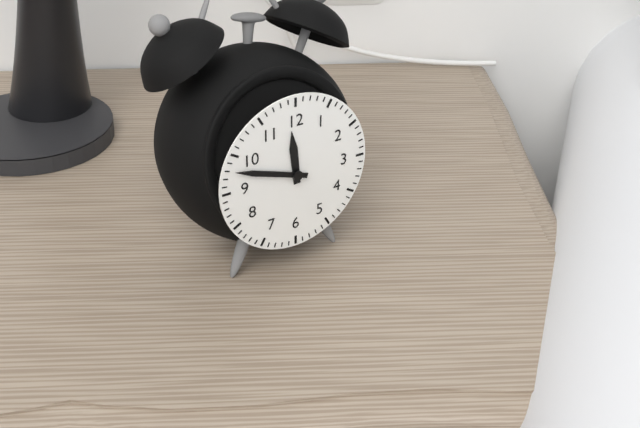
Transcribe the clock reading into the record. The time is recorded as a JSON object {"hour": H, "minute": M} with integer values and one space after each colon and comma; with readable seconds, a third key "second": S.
{"hour": 11, "minute": 48}
